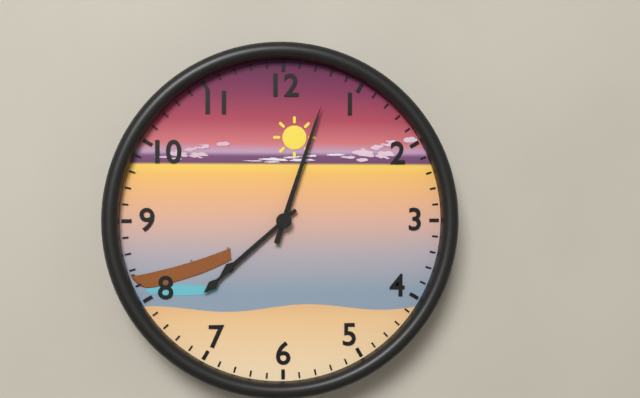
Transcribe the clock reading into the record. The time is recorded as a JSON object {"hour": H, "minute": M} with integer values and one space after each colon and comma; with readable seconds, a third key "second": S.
{"hour": 7, "minute": 38, "second": 3}
